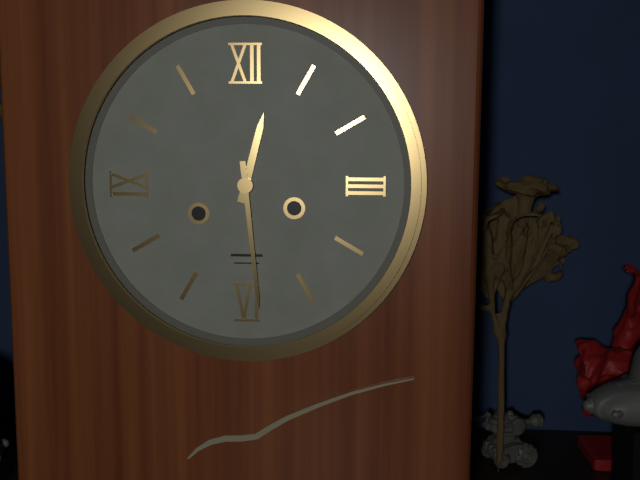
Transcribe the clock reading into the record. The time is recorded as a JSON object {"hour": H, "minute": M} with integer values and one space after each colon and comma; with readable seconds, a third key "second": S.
{"hour": 12, "minute": 29}
